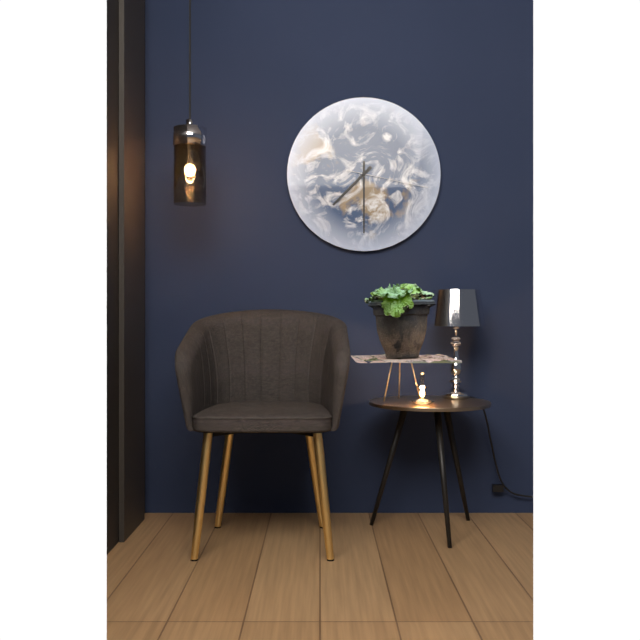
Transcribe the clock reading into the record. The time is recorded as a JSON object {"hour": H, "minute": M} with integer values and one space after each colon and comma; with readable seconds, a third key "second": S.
{"hour": 7, "minute": 30, "second": 17}
